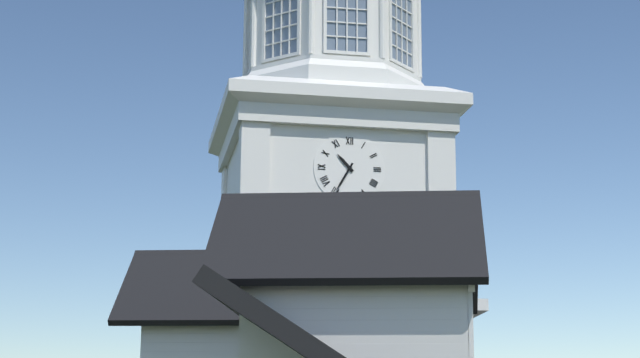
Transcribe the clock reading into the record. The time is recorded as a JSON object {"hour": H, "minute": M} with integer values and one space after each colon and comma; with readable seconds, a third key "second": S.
{"hour": 10, "minute": 35}
